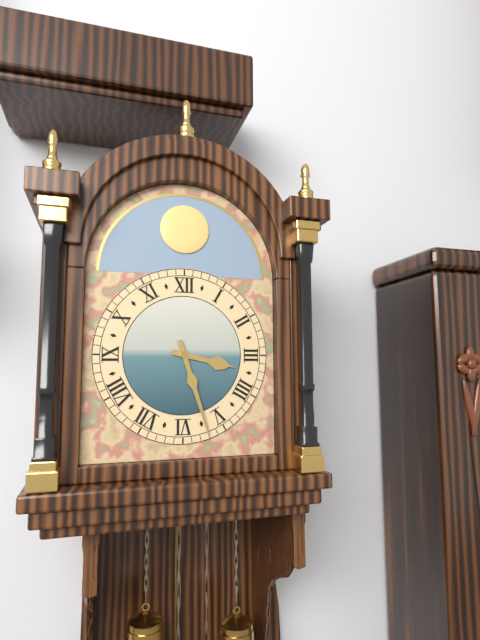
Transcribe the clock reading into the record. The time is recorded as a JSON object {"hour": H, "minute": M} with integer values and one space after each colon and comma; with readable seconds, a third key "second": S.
{"hour": 3, "minute": 27}
